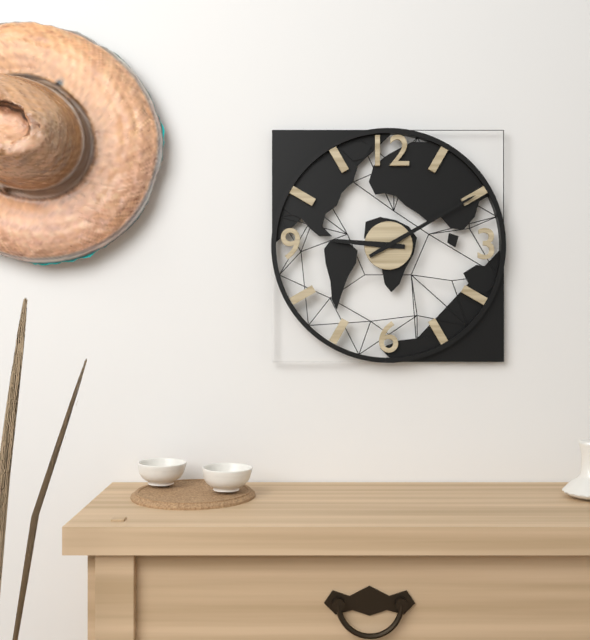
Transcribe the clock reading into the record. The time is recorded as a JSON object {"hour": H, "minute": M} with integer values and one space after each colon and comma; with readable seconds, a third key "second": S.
{"hour": 9, "minute": 10}
